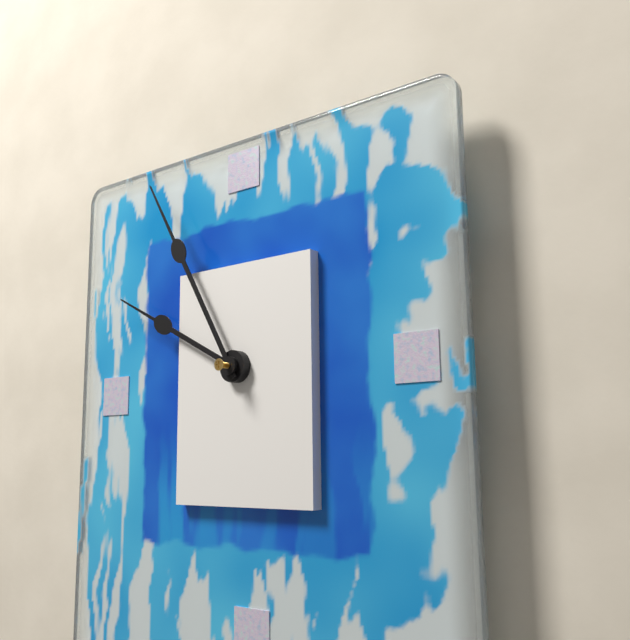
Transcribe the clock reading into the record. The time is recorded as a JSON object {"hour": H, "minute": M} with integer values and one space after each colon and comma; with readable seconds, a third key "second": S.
{"hour": 9, "minute": 55}
